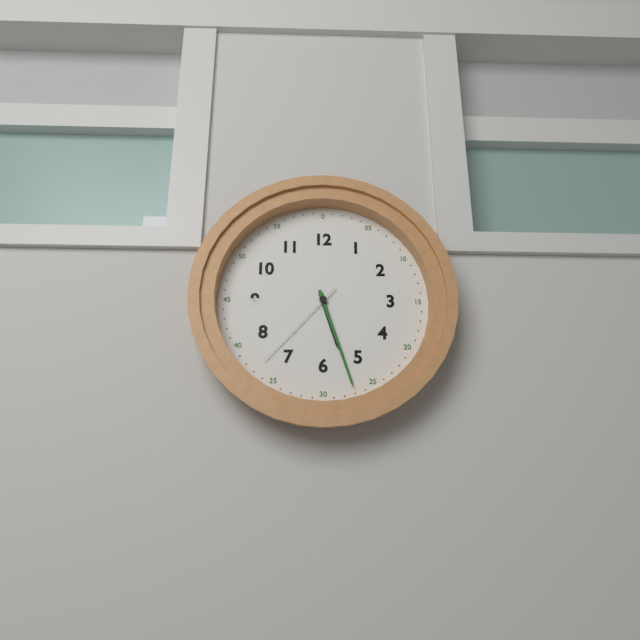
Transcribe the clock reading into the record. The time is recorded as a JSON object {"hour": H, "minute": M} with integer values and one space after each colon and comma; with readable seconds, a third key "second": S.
{"hour": 5, "minute": 27, "second": 37}
